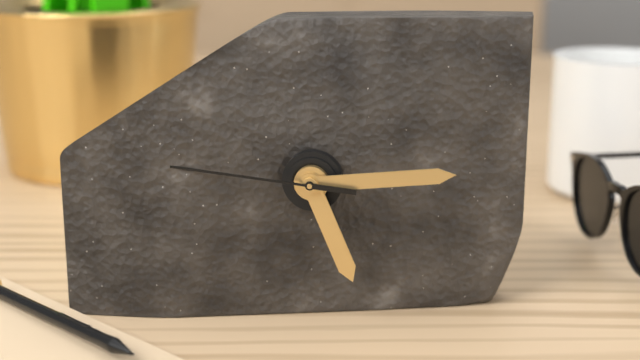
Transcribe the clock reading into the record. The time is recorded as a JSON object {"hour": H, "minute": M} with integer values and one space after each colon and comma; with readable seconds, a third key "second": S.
{"hour": 5, "minute": 14}
